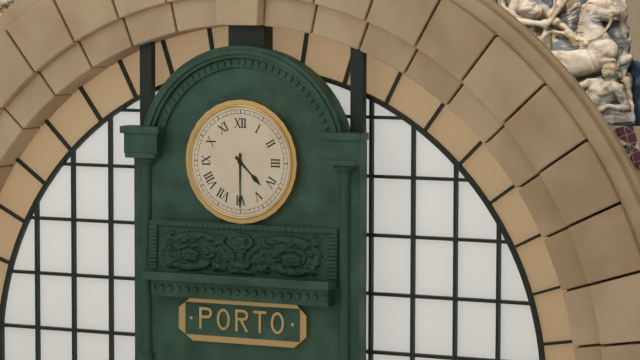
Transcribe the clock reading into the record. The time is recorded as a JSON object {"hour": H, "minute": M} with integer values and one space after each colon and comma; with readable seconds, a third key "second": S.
{"hour": 4, "minute": 30}
